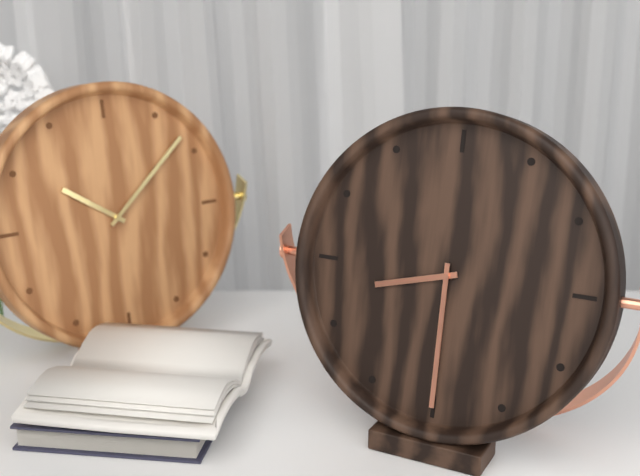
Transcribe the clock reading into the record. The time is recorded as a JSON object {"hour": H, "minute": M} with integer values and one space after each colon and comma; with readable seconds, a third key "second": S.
{"hour": 8, "minute": 30}
